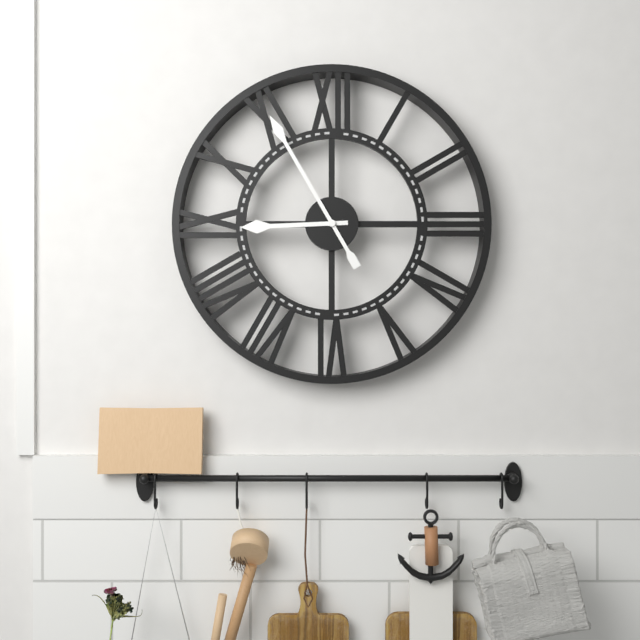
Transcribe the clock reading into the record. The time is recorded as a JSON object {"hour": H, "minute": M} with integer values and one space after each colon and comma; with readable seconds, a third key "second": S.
{"hour": 8, "minute": 55}
